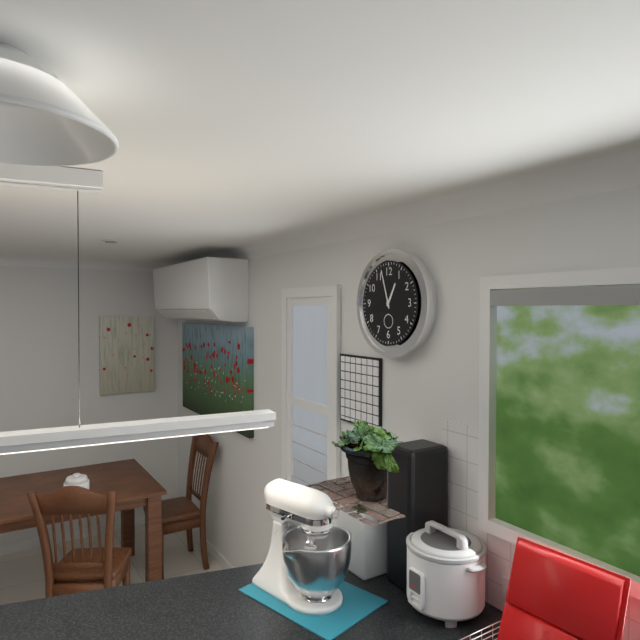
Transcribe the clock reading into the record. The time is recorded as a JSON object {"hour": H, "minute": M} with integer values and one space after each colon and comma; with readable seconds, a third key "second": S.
{"hour": 12, "minute": 57}
